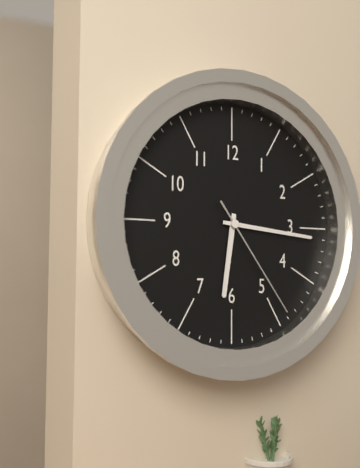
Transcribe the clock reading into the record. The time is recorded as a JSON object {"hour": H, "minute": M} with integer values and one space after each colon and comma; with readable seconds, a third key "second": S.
{"hour": 6, "minute": 16, "second": 24}
